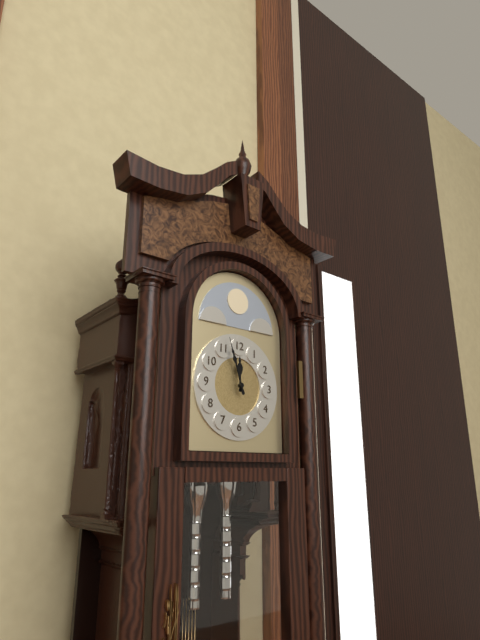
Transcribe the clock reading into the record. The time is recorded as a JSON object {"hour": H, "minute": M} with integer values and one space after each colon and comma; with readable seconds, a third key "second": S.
{"hour": 11, "minute": 57}
